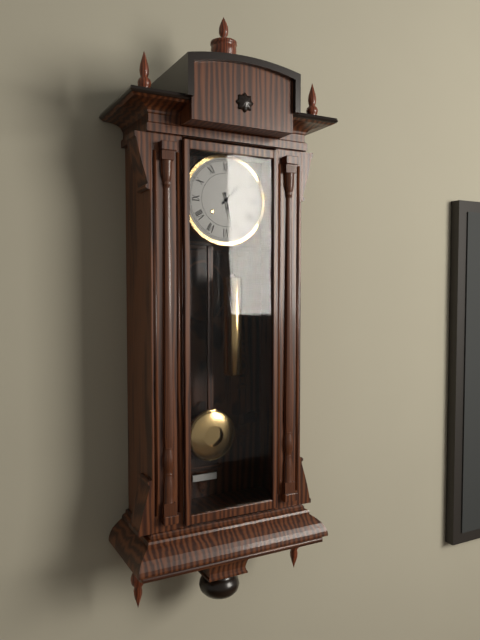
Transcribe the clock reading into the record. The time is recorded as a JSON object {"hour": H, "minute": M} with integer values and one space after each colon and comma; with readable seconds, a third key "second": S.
{"hour": 1, "minute": 28}
